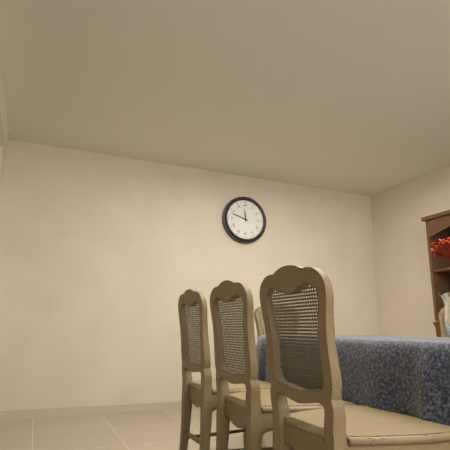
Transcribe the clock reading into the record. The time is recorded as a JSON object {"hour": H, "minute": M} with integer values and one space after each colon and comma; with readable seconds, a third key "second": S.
{"hour": 11, "minute": 48}
